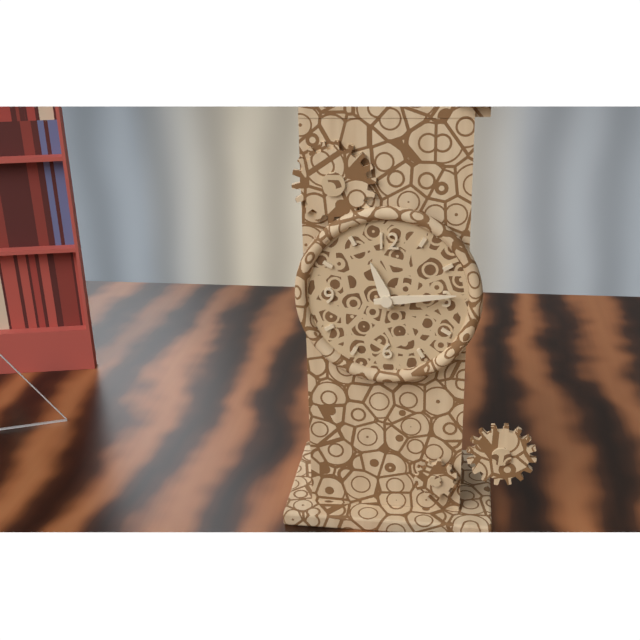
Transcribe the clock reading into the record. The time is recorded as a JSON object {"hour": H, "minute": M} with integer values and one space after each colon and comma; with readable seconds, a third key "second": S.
{"hour": 11, "minute": 14}
